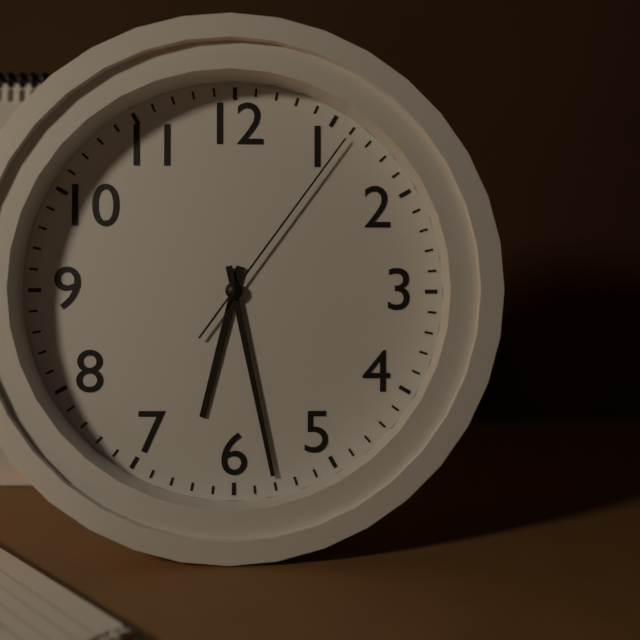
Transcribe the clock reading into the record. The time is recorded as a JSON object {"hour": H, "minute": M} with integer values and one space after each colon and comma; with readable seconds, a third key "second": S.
{"hour": 6, "minute": 28, "second": 6}
